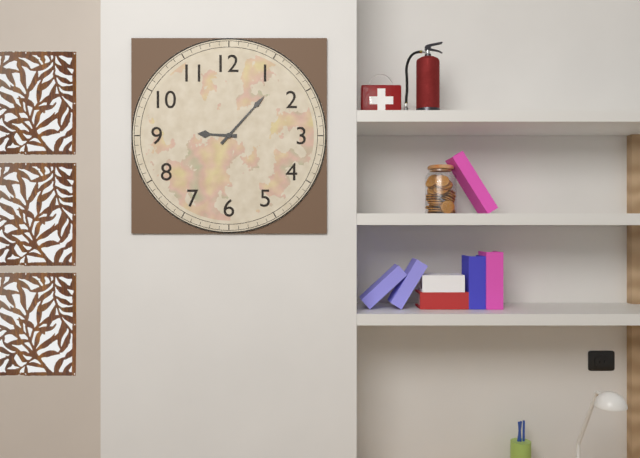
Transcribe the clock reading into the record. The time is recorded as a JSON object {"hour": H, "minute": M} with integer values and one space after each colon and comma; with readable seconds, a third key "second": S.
{"hour": 9, "minute": 7}
